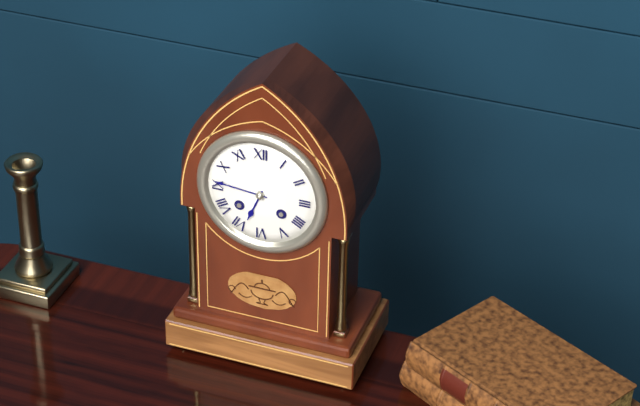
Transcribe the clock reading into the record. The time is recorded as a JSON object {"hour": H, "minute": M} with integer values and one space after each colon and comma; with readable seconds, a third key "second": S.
{"hour": 6, "minute": 46}
